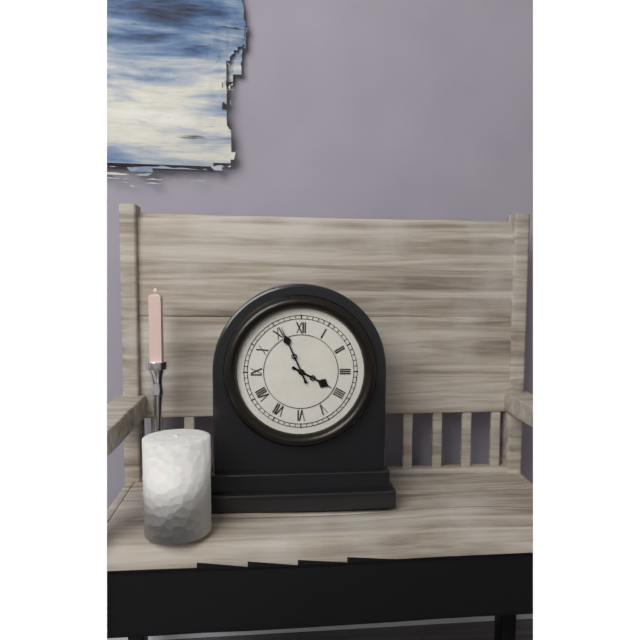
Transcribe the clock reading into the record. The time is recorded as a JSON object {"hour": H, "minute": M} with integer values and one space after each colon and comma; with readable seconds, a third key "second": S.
{"hour": 3, "minute": 56}
